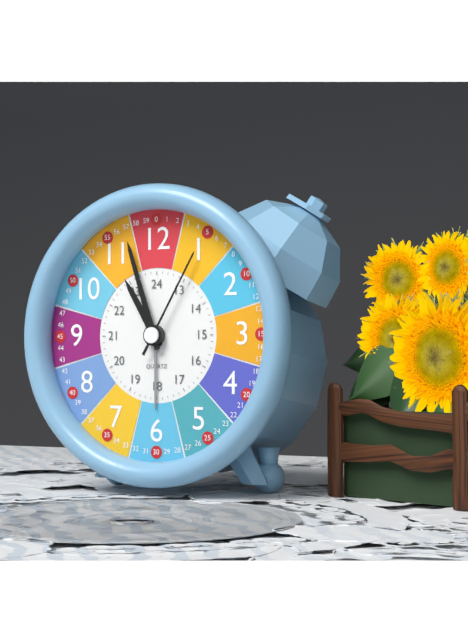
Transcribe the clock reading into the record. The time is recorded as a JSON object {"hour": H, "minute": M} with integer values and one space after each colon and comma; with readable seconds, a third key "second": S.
{"hour": 10, "minute": 57, "second": 5}
